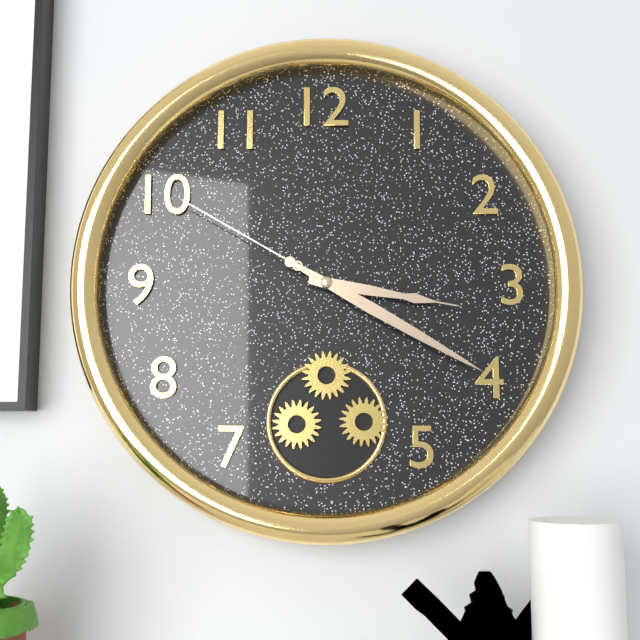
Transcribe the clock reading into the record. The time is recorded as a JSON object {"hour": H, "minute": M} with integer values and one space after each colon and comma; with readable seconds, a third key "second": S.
{"hour": 3, "minute": 20, "second": 50}
